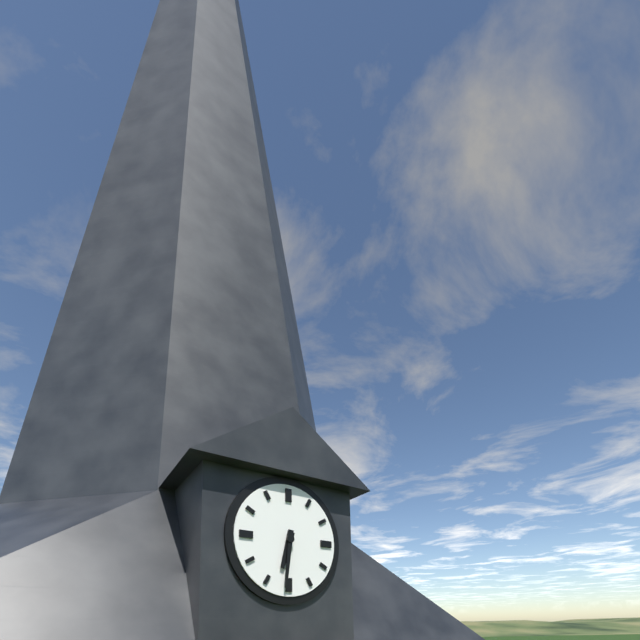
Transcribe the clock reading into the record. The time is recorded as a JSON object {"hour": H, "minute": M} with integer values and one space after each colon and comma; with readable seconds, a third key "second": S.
{"hour": 6, "minute": 31}
